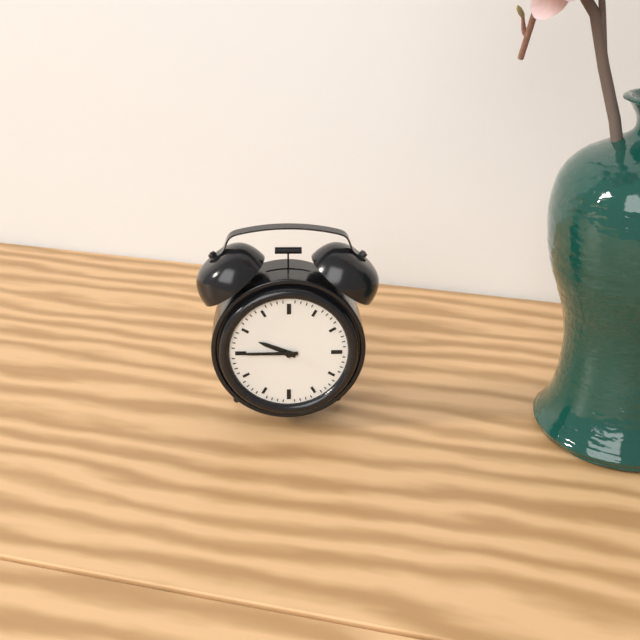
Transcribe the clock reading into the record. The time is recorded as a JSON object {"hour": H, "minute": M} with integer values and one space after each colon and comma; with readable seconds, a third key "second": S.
{"hour": 9, "minute": 45}
